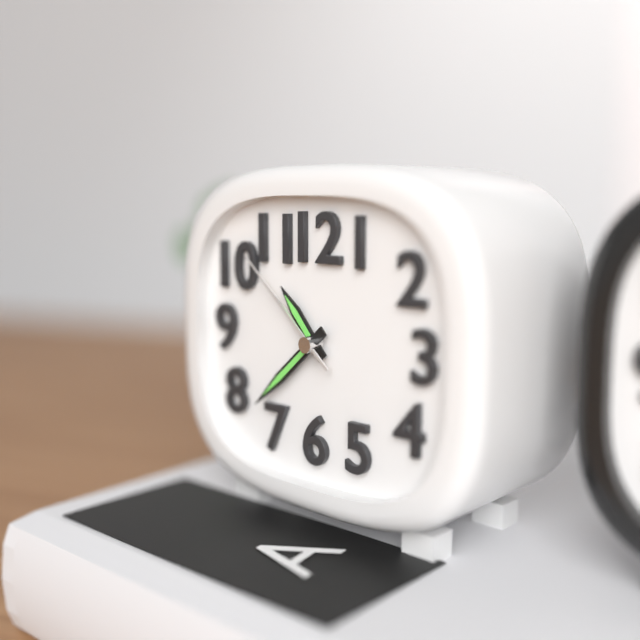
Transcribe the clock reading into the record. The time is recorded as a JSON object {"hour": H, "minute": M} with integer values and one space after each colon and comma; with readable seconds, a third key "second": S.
{"hour": 10, "minute": 38, "second": 52}
